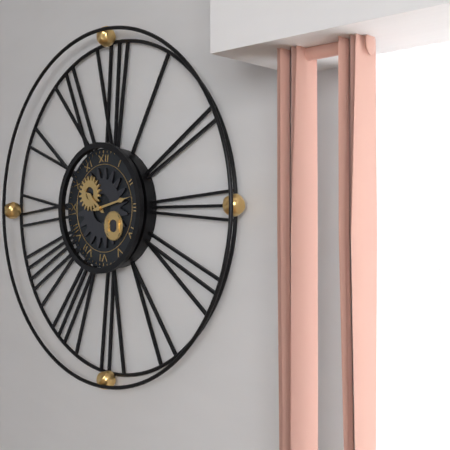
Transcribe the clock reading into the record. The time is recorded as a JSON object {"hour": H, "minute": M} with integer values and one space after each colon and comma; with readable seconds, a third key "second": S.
{"hour": 10, "minute": 13}
